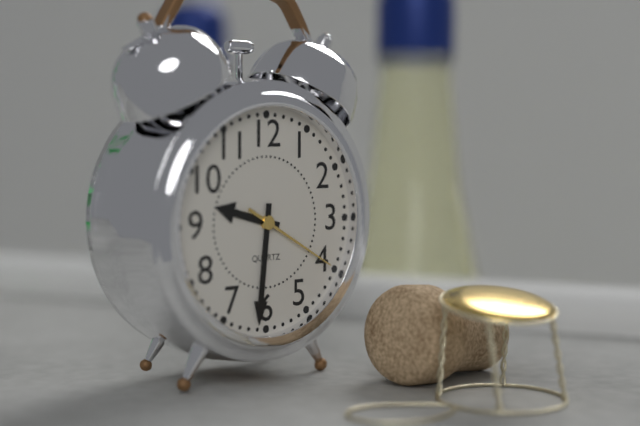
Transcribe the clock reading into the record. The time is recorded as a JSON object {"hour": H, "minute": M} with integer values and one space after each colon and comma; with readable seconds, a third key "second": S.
{"hour": 9, "minute": 31, "second": 20}
